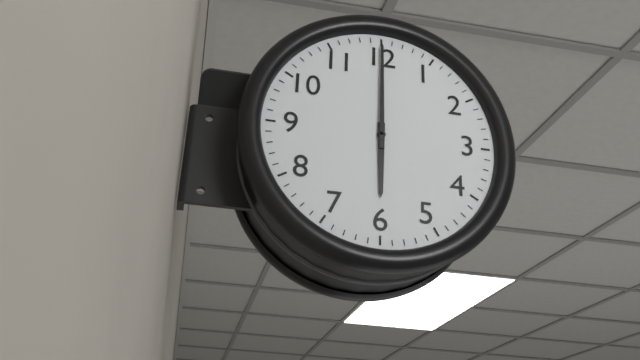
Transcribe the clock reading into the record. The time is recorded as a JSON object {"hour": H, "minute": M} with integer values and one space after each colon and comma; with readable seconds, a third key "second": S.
{"hour": 6, "minute": 0}
